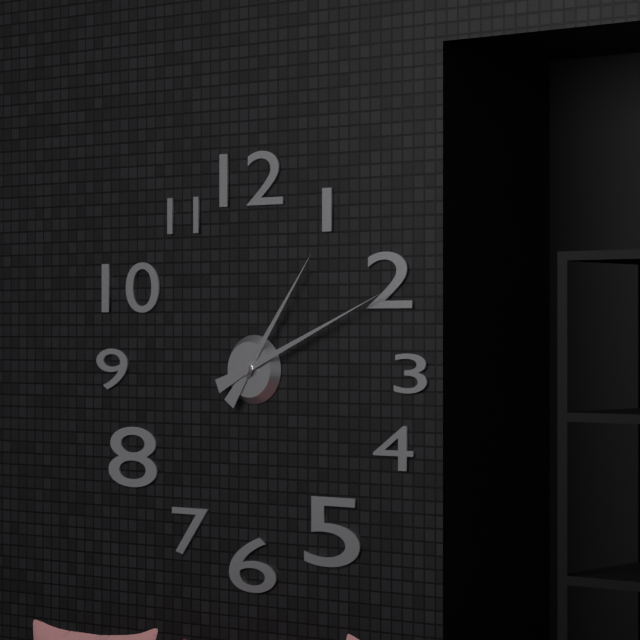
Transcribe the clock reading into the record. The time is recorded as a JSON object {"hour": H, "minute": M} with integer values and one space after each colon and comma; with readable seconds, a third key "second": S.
{"hour": 1, "minute": 11}
